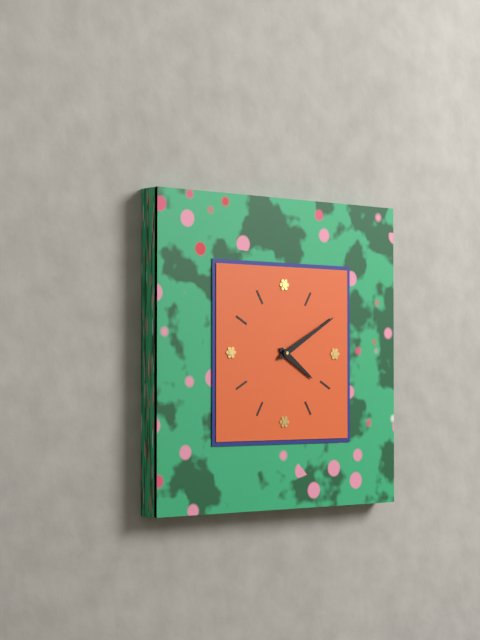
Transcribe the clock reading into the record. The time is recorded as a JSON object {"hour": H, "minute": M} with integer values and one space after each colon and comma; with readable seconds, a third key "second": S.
{"hour": 4, "minute": 10}
